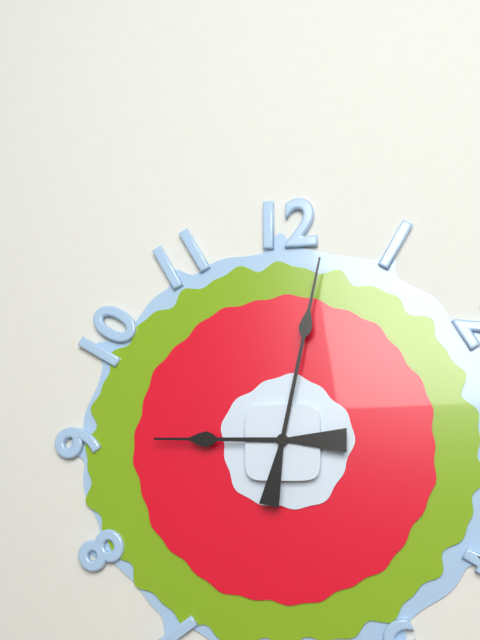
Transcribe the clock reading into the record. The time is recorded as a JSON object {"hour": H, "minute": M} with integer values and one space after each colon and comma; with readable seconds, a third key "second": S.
{"hour": 9, "minute": 2}
